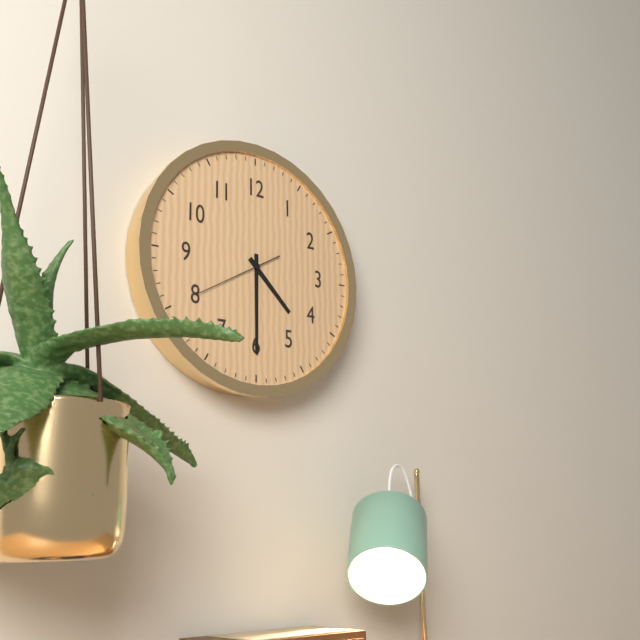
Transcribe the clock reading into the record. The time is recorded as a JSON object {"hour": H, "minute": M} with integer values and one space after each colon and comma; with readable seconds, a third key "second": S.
{"hour": 4, "minute": 30, "second": 40}
